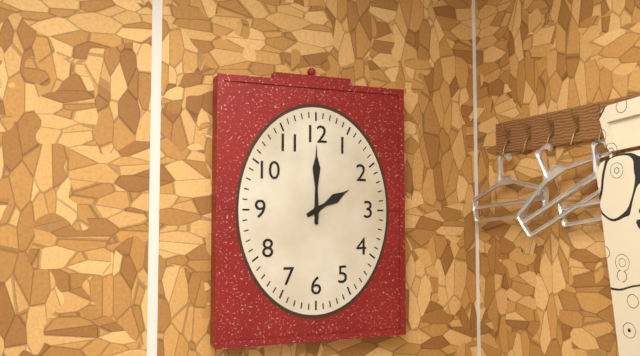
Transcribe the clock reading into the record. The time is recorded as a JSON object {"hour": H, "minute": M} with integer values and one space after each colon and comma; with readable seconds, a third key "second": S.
{"hour": 2, "minute": 0}
